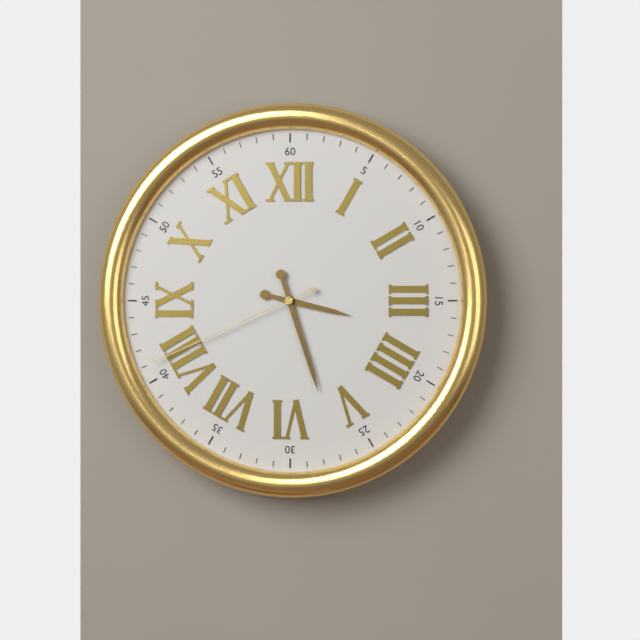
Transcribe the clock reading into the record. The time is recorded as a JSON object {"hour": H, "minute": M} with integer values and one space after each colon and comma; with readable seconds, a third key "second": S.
{"hour": 3, "minute": 27, "second": 41}
